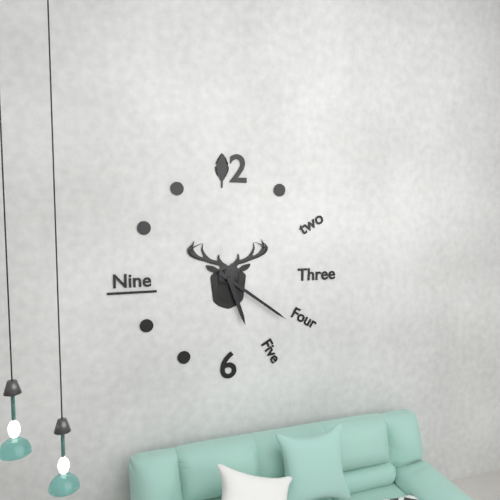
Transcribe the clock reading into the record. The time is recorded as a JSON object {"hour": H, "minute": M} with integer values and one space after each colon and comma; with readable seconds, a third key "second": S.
{"hour": 5, "minute": 21}
